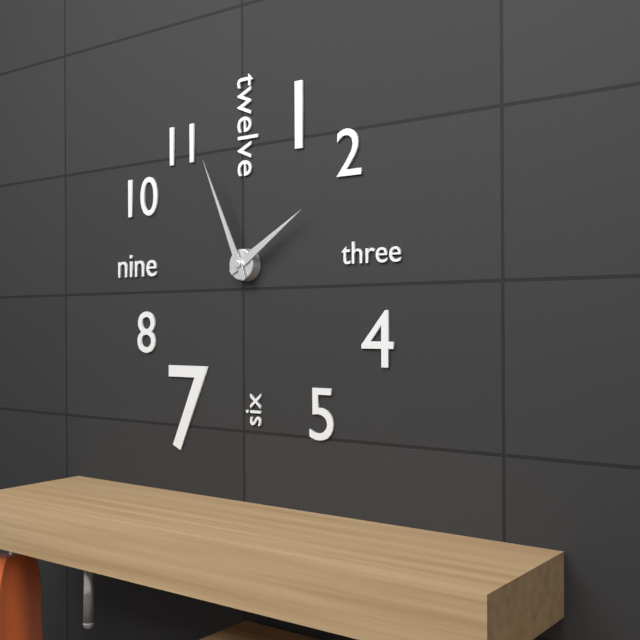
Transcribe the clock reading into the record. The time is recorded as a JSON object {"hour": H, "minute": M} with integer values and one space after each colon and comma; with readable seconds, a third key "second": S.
{"hour": 1, "minute": 56}
